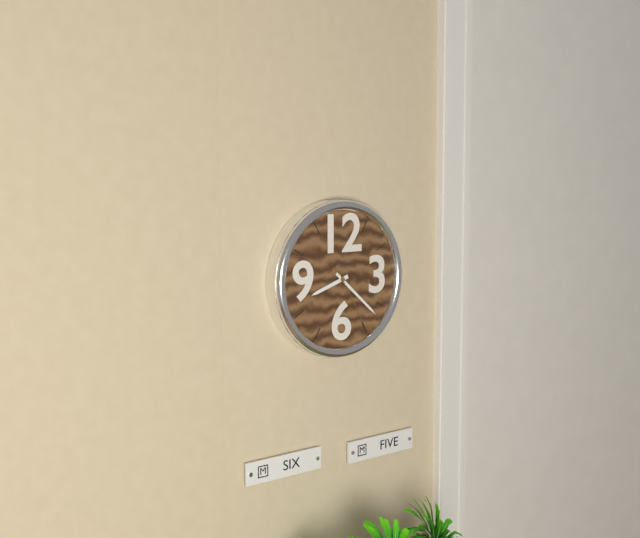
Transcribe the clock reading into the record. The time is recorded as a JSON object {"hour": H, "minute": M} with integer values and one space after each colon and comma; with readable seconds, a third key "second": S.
{"hour": 8, "minute": 22, "second": 25}
